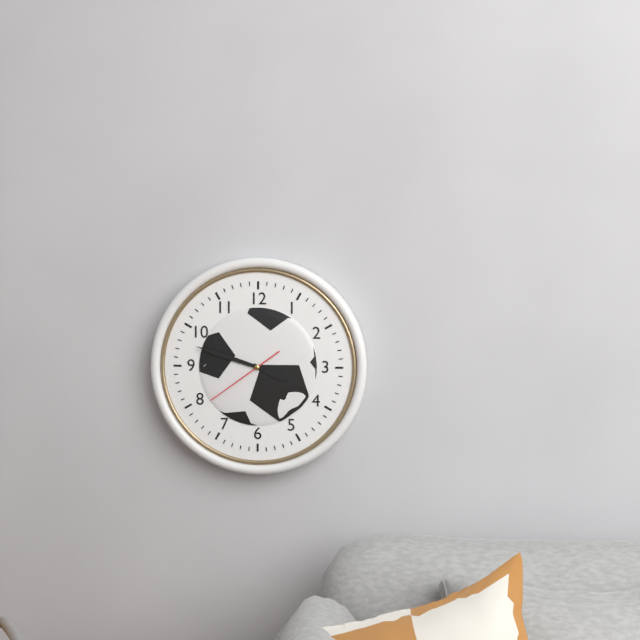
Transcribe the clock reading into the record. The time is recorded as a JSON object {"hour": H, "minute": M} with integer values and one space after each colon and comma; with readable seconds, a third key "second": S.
{"hour": 3, "minute": 48, "second": 39}
